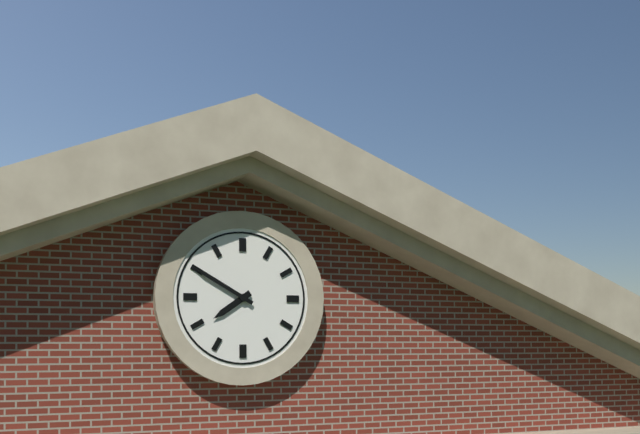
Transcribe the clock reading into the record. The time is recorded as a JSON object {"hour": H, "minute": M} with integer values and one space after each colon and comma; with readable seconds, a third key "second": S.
{"hour": 7, "minute": 50}
